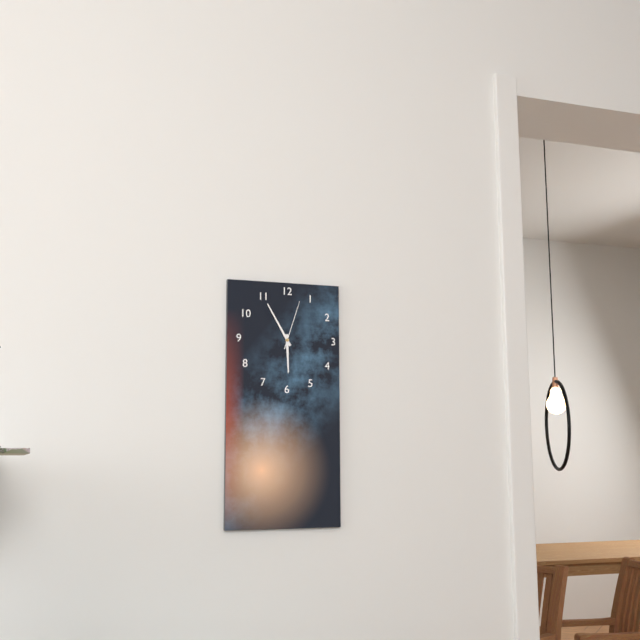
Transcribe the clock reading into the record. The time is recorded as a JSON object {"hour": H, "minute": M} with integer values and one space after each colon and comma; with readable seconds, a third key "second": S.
{"hour": 5, "minute": 55, "second": 3}
